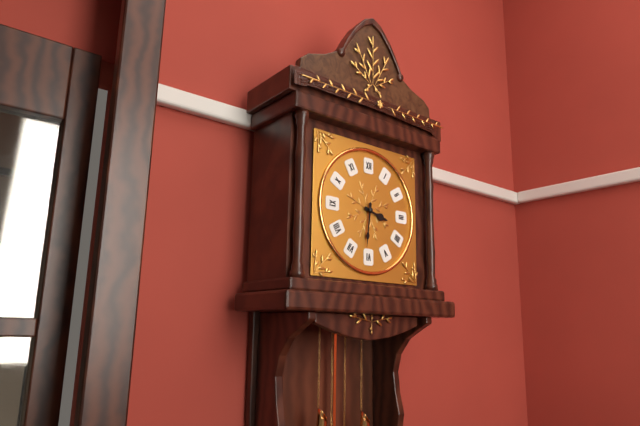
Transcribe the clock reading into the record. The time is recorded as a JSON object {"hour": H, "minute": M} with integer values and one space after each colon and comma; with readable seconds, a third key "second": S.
{"hour": 3, "minute": 31}
